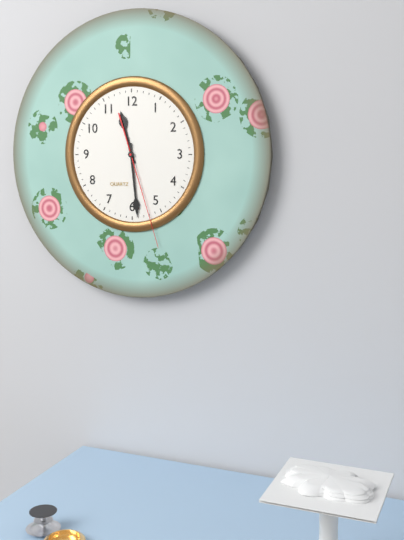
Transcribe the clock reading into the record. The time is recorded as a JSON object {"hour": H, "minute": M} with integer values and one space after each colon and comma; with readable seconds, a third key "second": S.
{"hour": 11, "minute": 29, "second": 27}
